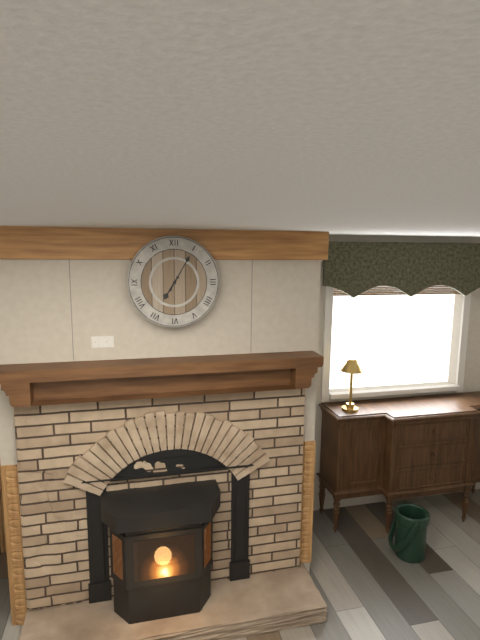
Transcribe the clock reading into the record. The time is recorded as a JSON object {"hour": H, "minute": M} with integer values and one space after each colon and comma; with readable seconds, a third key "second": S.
{"hour": 7, "minute": 5}
